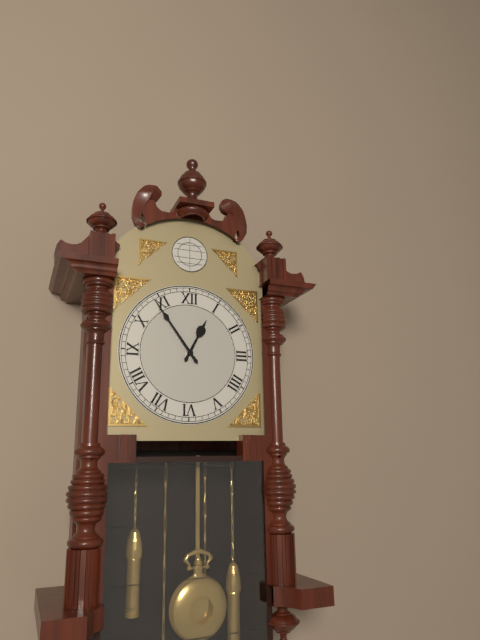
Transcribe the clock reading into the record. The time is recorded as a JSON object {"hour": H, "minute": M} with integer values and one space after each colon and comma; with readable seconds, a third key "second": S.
{"hour": 12, "minute": 54}
